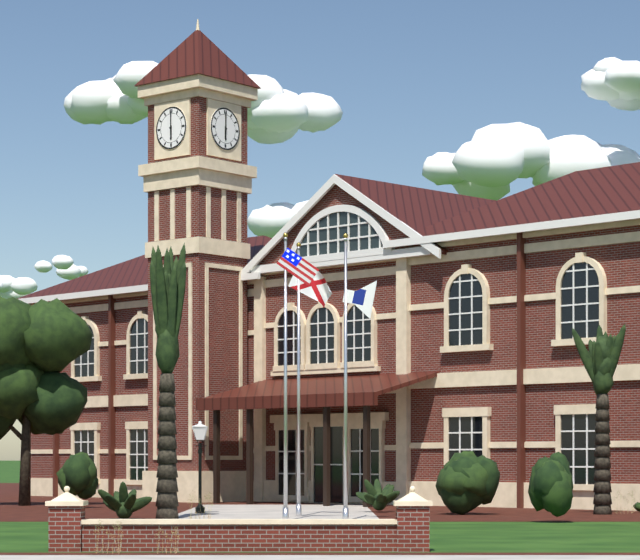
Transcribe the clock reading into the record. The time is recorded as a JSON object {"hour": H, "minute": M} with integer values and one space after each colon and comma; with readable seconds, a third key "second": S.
{"hour": 6, "minute": 0}
